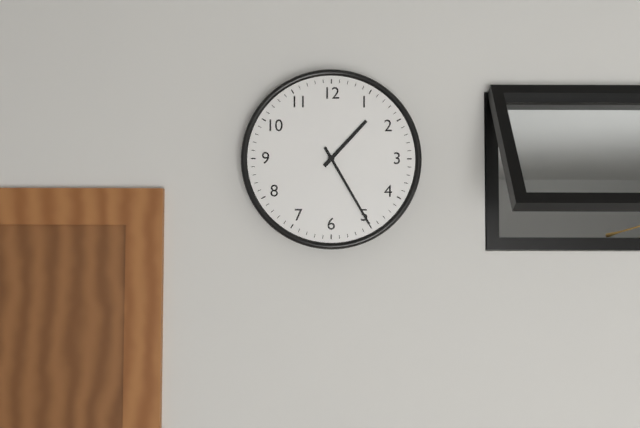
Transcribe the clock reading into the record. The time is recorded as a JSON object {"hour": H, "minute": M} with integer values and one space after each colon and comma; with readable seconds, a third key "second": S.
{"hour": 1, "minute": 25}
